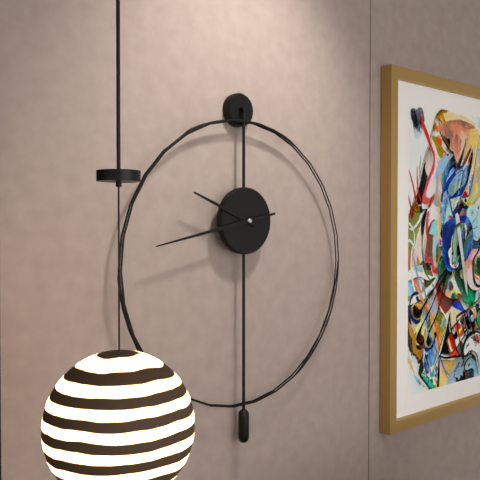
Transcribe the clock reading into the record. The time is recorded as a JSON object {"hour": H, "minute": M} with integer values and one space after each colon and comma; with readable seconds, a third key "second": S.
{"hour": 9, "minute": 43}
